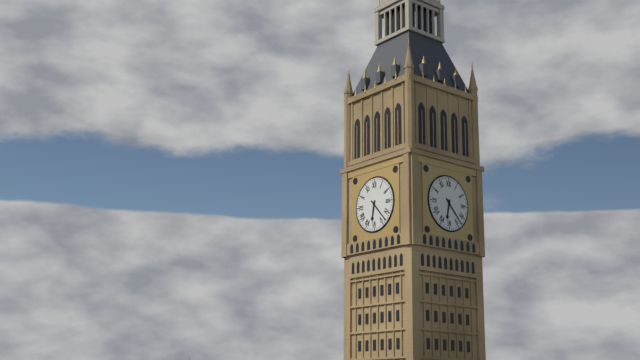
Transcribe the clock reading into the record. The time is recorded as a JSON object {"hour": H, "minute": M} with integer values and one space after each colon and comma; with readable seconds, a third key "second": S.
{"hour": 6, "minute": 23}
